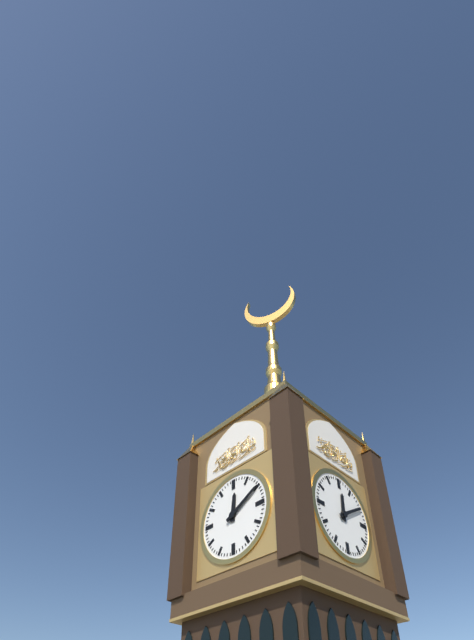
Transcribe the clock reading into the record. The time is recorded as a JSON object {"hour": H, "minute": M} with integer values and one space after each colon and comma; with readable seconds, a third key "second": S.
{"hour": 12, "minute": 10}
